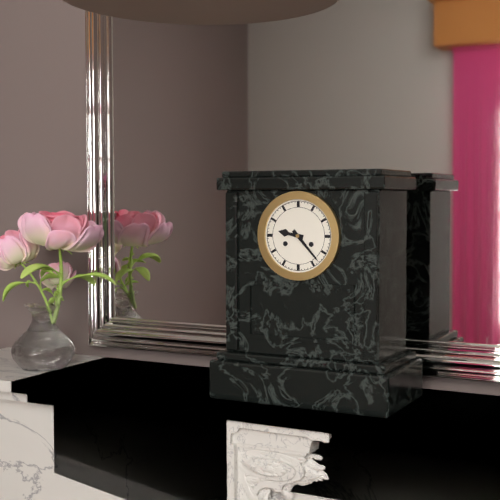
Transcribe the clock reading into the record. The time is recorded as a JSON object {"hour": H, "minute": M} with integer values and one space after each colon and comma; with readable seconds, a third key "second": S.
{"hour": 9, "minute": 23}
